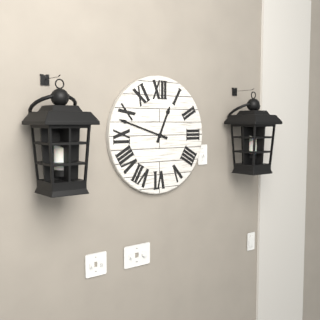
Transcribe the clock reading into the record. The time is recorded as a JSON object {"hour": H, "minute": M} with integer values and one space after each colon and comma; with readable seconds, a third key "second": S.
{"hour": 12, "minute": 48}
